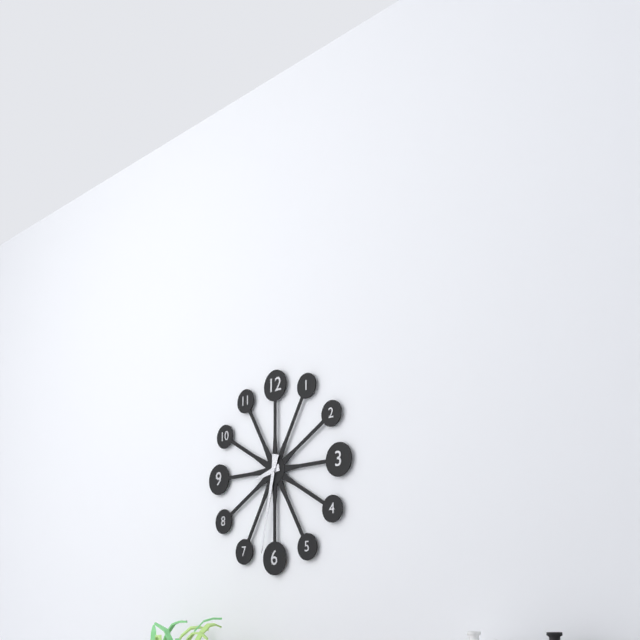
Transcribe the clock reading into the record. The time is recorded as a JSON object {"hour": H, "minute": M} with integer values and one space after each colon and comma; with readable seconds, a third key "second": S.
{"hour": 8, "minute": 32}
